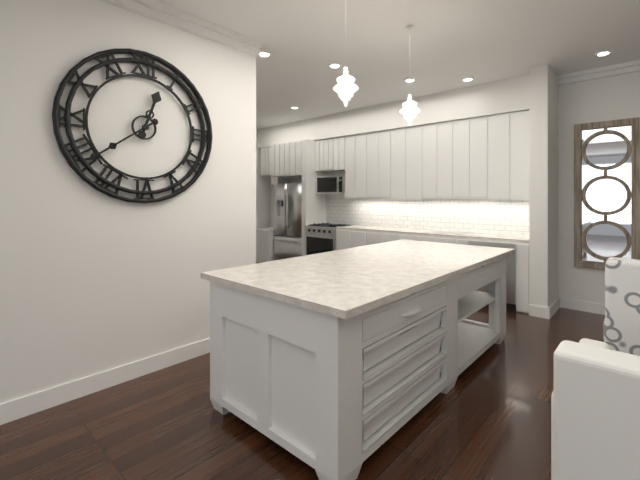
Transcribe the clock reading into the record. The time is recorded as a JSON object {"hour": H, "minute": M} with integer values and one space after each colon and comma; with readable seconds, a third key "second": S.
{"hour": 12, "minute": 39}
